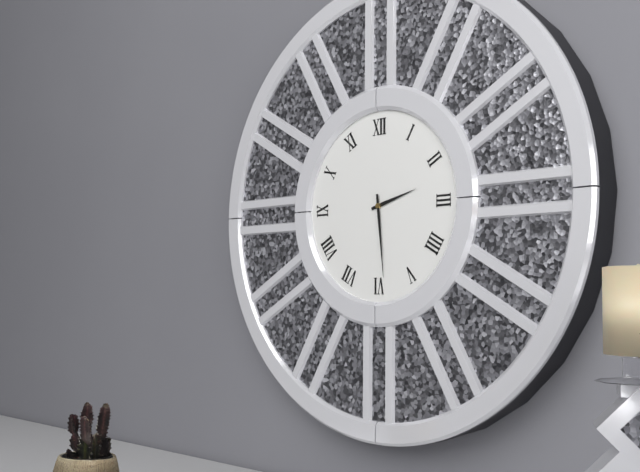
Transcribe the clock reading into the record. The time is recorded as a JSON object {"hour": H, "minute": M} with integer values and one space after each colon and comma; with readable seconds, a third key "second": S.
{"hour": 2, "minute": 29}
